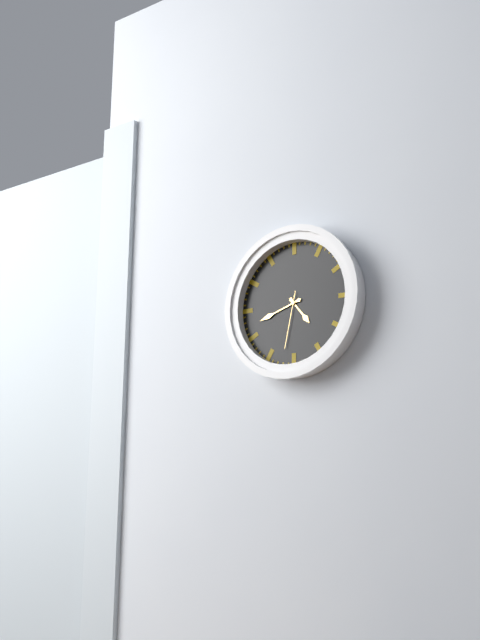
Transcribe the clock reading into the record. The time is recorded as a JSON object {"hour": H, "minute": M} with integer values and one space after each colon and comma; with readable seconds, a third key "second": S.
{"hour": 4, "minute": 42, "second": 32}
